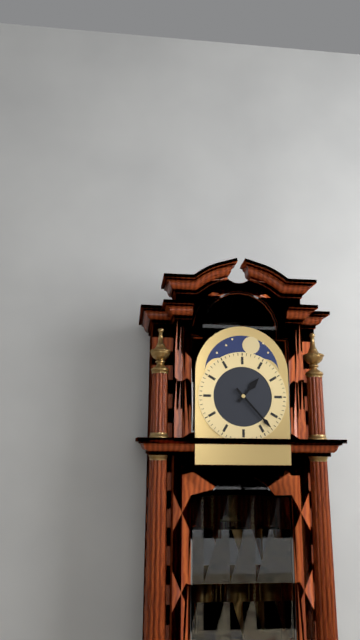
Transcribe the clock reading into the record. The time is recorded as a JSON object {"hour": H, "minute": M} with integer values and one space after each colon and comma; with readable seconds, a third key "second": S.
{"hour": 1, "minute": 23}
